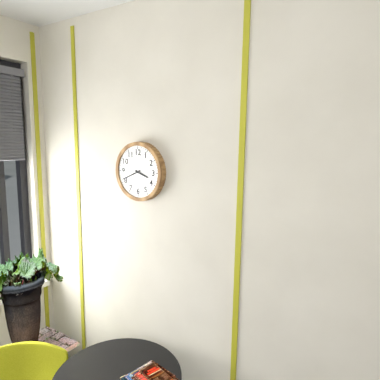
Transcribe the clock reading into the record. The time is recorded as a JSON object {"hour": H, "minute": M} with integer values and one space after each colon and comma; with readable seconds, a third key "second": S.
{"hour": 3, "minute": 41}
